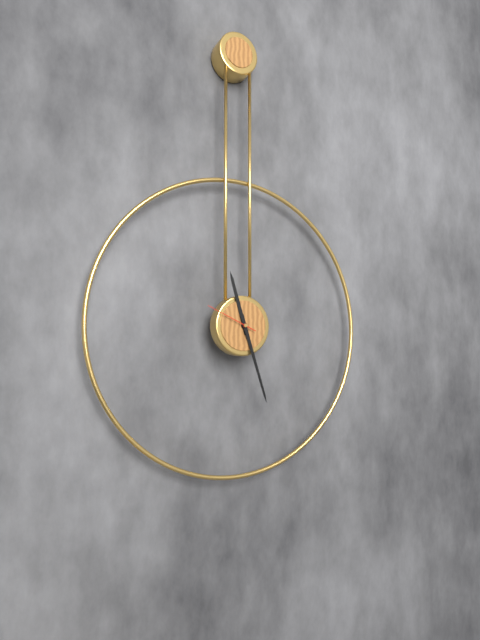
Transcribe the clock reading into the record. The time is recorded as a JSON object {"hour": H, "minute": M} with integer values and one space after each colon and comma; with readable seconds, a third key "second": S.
{"hour": 11, "minute": 27, "second": 49}
